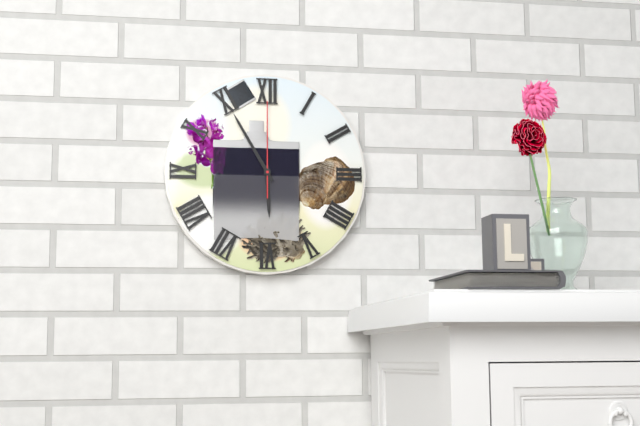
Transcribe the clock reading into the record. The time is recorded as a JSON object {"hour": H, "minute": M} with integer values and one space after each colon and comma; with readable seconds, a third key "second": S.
{"hour": 5, "minute": 55, "second": 0}
